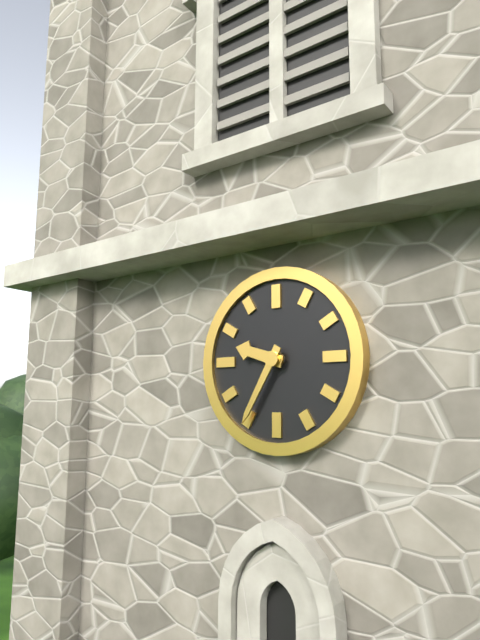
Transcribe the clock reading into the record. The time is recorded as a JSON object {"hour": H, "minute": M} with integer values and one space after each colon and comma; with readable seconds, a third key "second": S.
{"hour": 9, "minute": 35}
